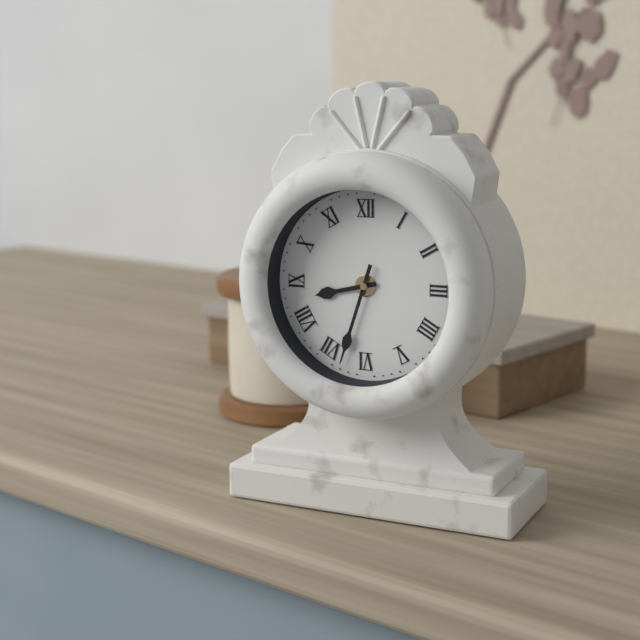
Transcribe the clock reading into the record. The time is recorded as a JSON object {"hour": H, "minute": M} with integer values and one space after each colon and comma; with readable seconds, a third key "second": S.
{"hour": 8, "minute": 33}
